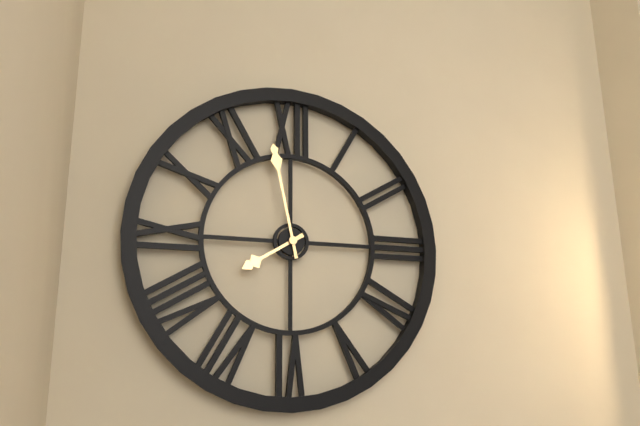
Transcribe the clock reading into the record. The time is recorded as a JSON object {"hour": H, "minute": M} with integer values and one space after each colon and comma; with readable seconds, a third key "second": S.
{"hour": 7, "minute": 58}
